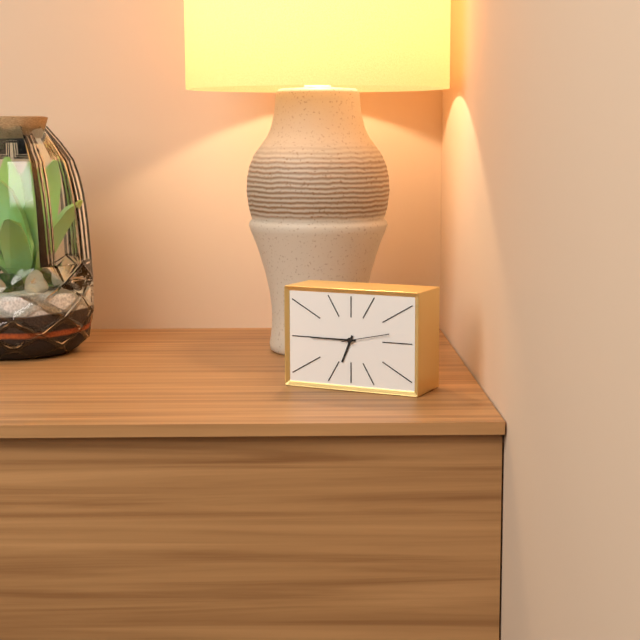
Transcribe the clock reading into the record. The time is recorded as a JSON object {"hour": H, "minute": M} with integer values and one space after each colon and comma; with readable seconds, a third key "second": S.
{"hour": 6, "minute": 45}
